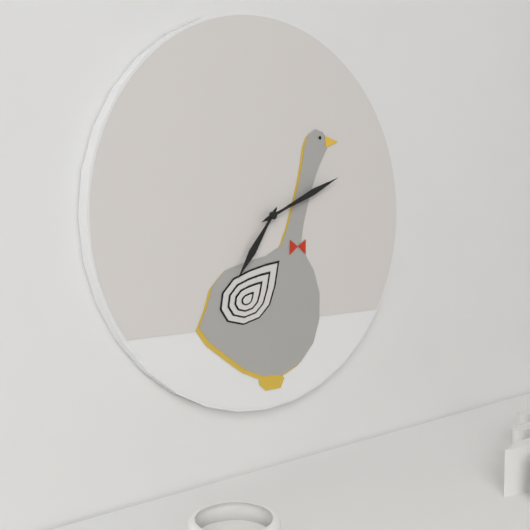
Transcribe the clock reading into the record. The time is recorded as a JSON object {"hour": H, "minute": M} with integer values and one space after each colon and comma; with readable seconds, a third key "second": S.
{"hour": 7, "minute": 11}
